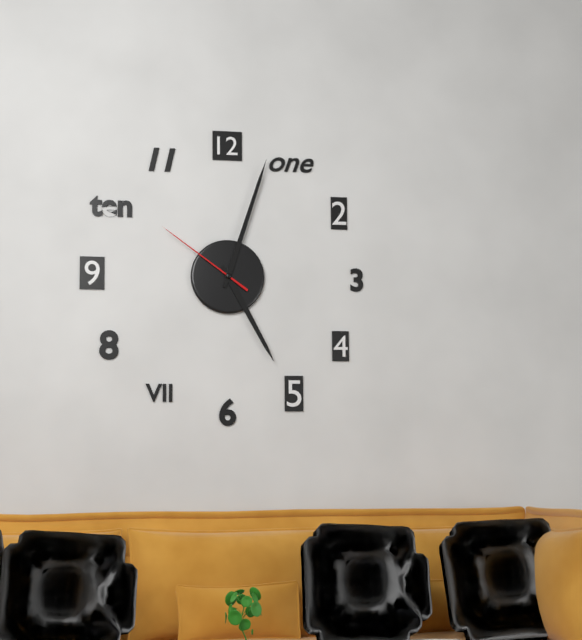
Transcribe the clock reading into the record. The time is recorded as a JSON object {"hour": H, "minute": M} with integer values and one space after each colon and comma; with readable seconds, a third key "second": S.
{"hour": 5, "minute": 3, "second": 51}
